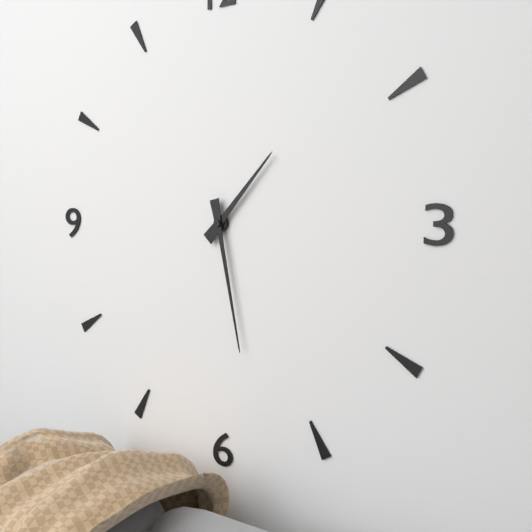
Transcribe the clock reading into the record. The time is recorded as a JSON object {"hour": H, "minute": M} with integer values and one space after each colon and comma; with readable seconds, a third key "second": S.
{"hour": 1, "minute": 28}
